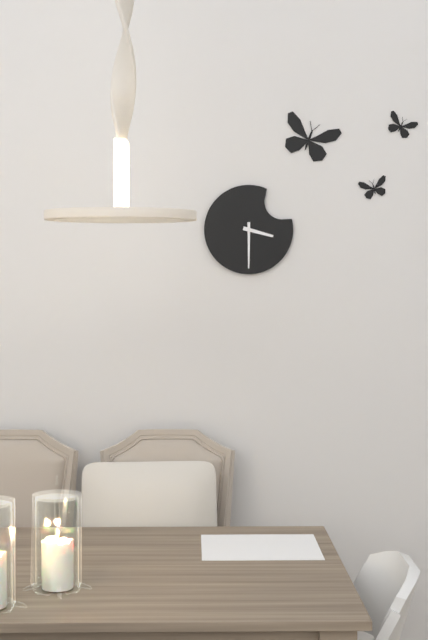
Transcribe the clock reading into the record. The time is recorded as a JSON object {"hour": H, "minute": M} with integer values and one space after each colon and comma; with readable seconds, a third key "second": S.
{"hour": 3, "minute": 30}
